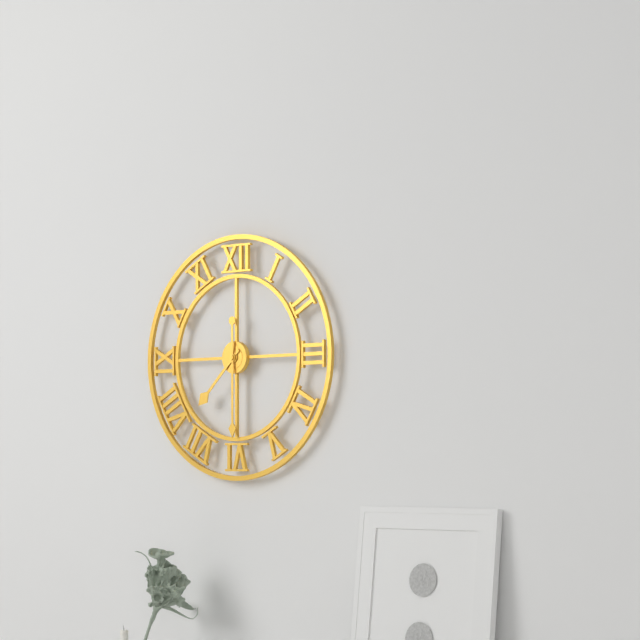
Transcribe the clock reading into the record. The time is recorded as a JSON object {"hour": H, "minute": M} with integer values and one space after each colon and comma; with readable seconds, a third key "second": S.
{"hour": 7, "minute": 30}
